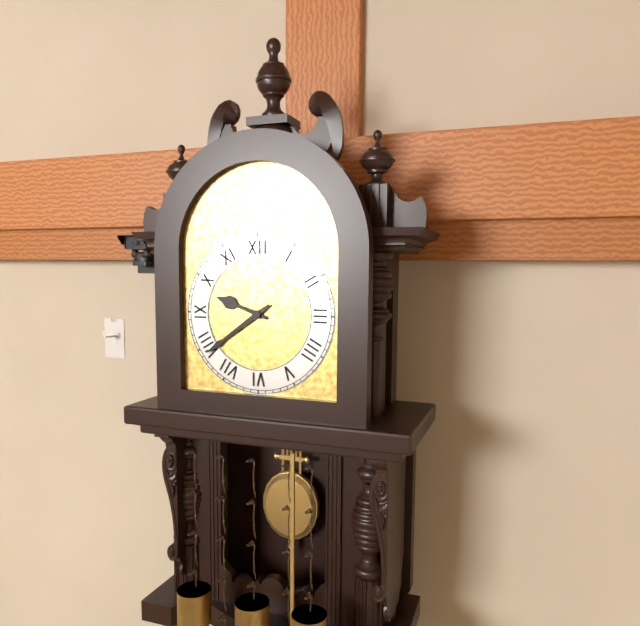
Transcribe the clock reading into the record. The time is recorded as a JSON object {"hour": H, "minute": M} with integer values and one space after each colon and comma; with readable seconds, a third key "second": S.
{"hour": 9, "minute": 39}
